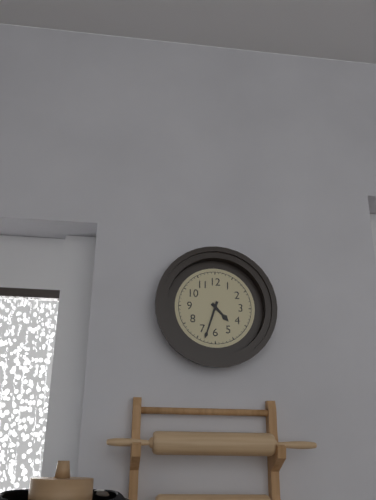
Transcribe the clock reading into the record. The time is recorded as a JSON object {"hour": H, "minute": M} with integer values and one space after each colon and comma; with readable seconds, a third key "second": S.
{"hour": 4, "minute": 33}
